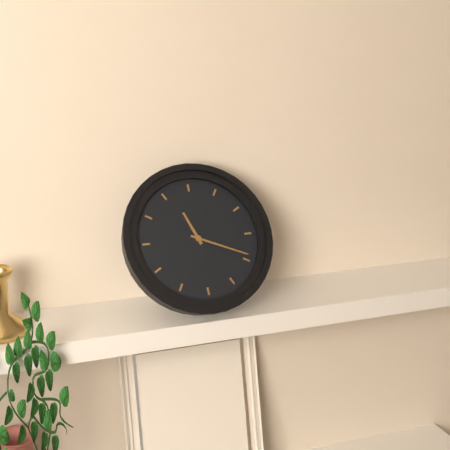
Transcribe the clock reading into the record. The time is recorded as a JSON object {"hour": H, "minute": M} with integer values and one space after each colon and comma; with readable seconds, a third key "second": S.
{"hour": 11, "minute": 19}
